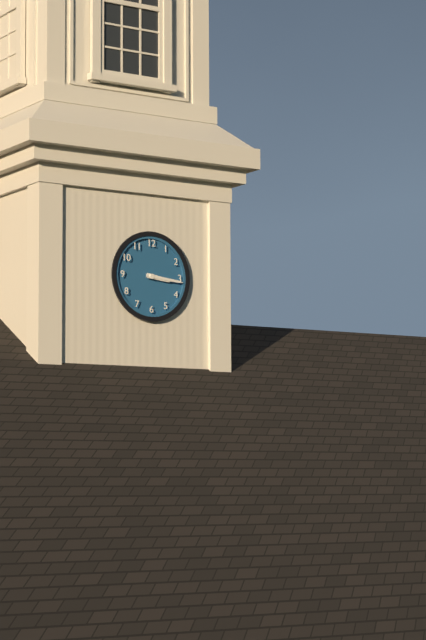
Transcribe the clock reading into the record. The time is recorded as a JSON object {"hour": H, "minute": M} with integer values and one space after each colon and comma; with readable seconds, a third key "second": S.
{"hour": 3, "minute": 16}
